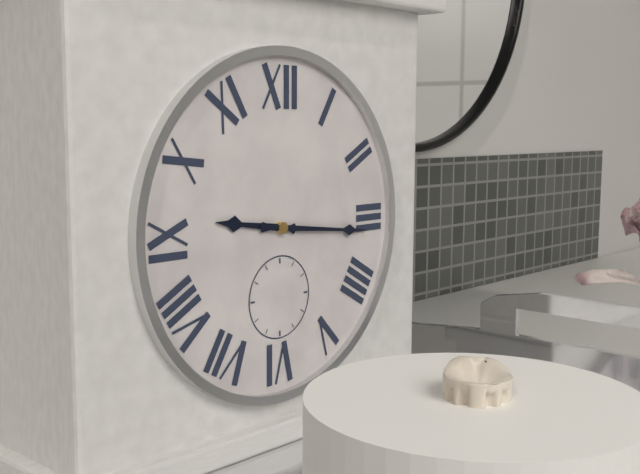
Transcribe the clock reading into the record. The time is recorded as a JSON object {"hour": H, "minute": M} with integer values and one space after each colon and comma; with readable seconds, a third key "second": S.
{"hour": 9, "minute": 16}
